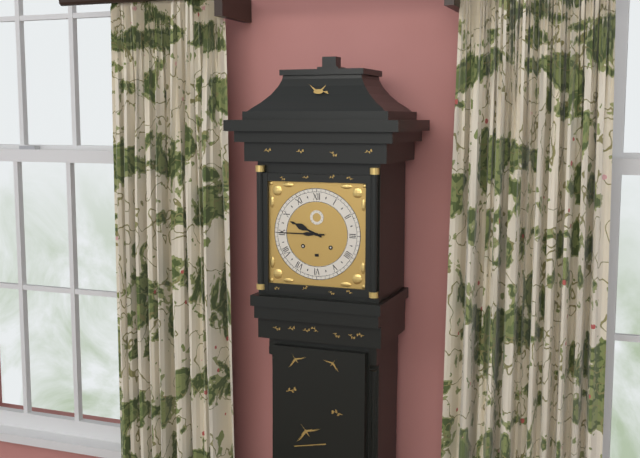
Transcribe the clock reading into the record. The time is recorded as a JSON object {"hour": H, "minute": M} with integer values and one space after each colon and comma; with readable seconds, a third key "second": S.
{"hour": 9, "minute": 45}
